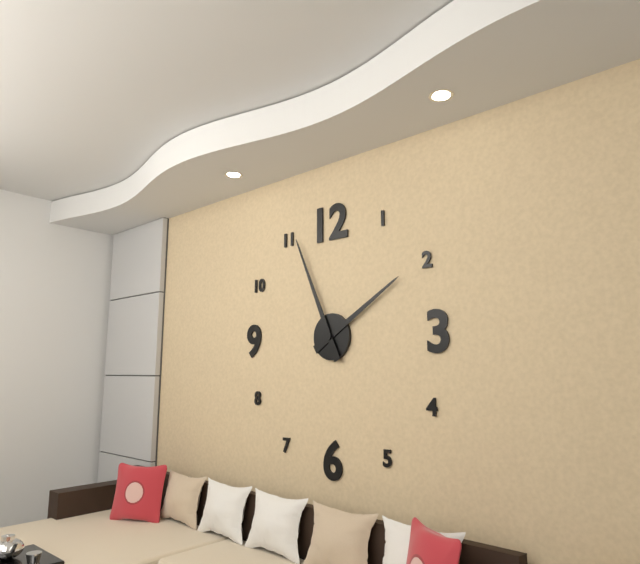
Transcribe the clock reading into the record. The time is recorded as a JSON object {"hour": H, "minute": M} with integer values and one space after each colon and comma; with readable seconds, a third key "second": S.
{"hour": 1, "minute": 56}
